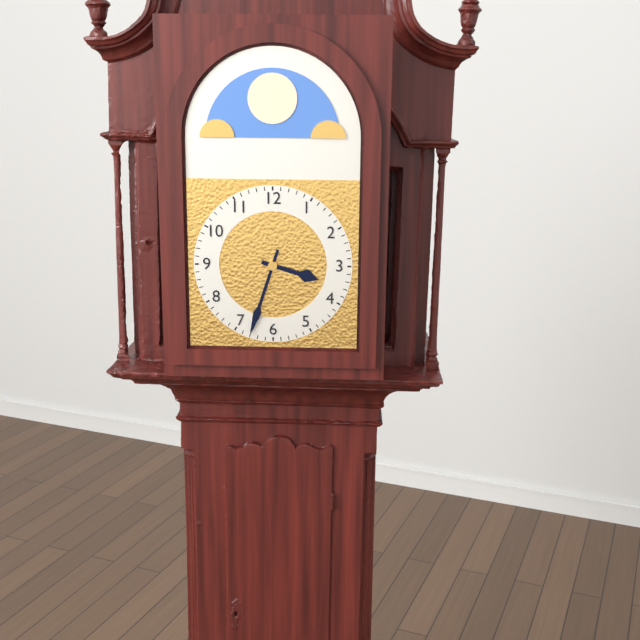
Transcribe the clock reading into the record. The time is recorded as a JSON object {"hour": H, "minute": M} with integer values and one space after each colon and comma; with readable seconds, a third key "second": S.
{"hour": 3, "minute": 33}
